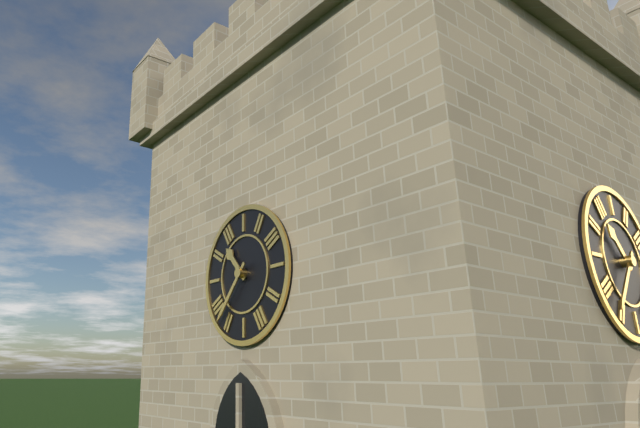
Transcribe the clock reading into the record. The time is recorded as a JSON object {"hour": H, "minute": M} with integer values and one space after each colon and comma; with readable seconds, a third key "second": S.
{"hour": 10, "minute": 37}
